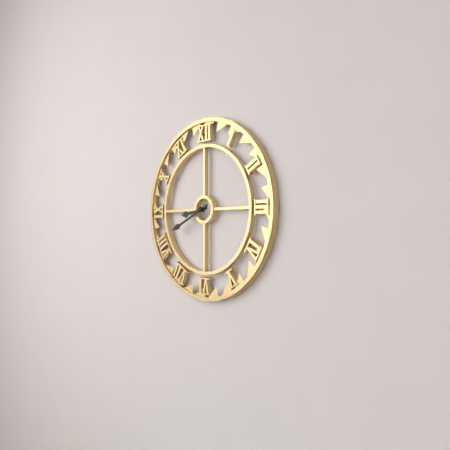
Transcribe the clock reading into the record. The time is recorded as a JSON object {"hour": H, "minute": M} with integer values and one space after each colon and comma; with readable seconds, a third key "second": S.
{"hour": 8, "minute": 41}
